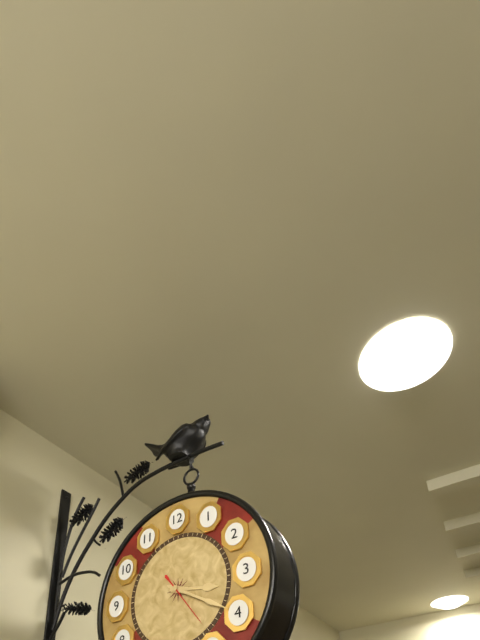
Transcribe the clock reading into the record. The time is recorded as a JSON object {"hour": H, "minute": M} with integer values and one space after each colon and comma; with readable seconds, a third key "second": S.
{"hour": 3, "minute": 20, "second": 24}
